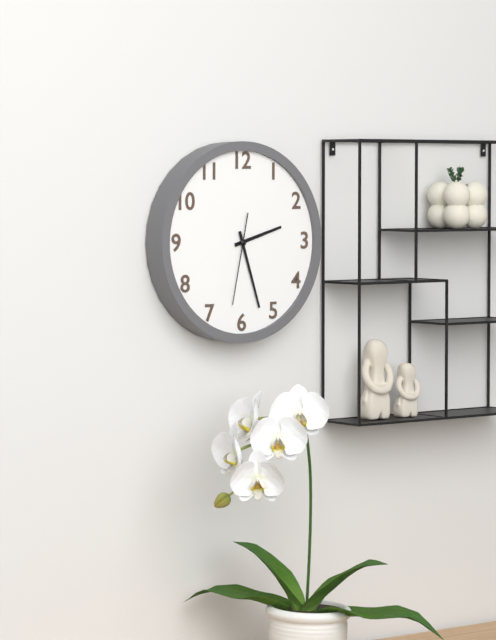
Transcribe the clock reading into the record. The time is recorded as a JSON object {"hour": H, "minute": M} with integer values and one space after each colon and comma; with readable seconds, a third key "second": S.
{"hour": 2, "minute": 27, "second": 32}
